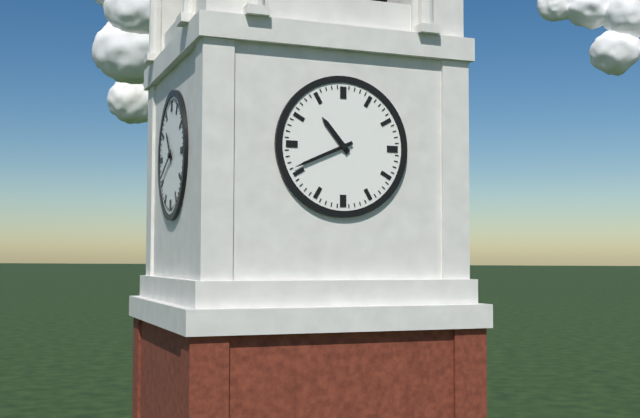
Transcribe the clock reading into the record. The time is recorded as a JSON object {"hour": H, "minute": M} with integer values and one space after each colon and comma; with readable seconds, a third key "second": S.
{"hour": 10, "minute": 41}
